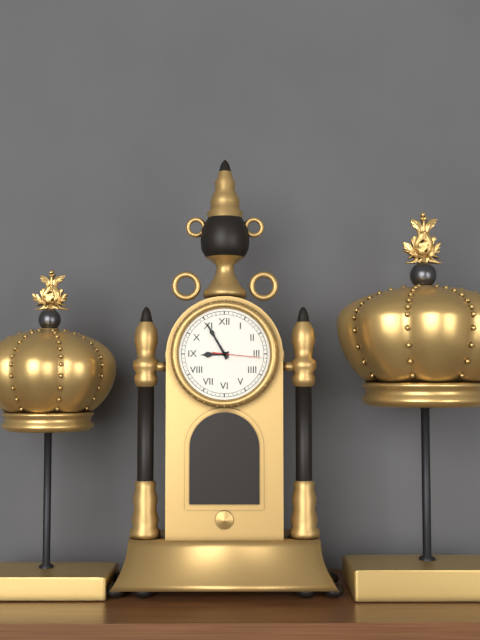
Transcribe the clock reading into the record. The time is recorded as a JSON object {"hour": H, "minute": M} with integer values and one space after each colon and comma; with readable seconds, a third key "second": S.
{"hour": 8, "minute": 55}
